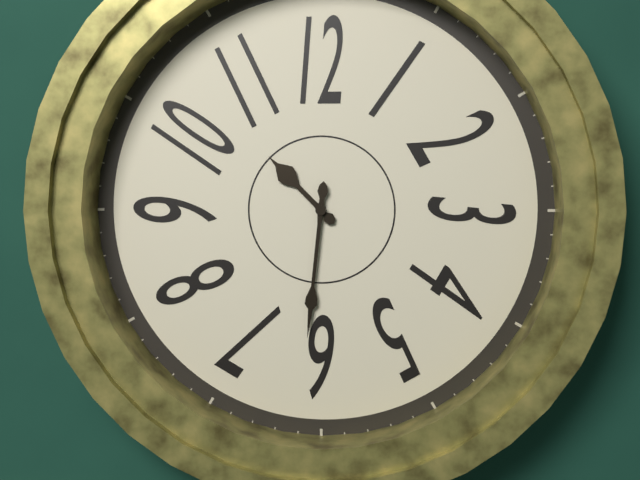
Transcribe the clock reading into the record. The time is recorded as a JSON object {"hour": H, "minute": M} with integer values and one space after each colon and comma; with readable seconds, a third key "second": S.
{"hour": 10, "minute": 31}
